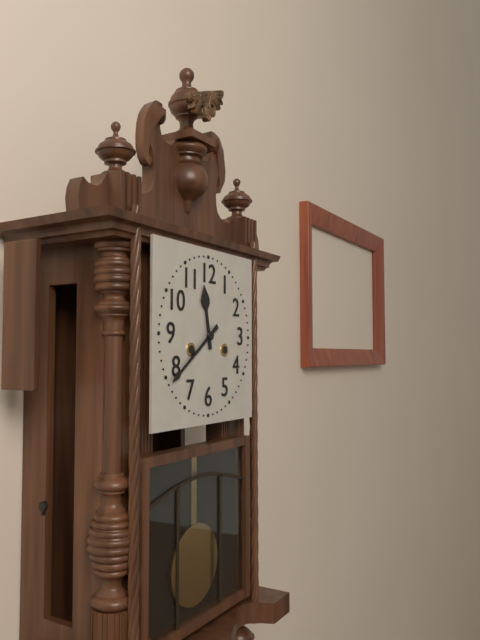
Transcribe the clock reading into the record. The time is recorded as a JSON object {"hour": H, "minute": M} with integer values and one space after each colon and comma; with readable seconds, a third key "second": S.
{"hour": 11, "minute": 39}
